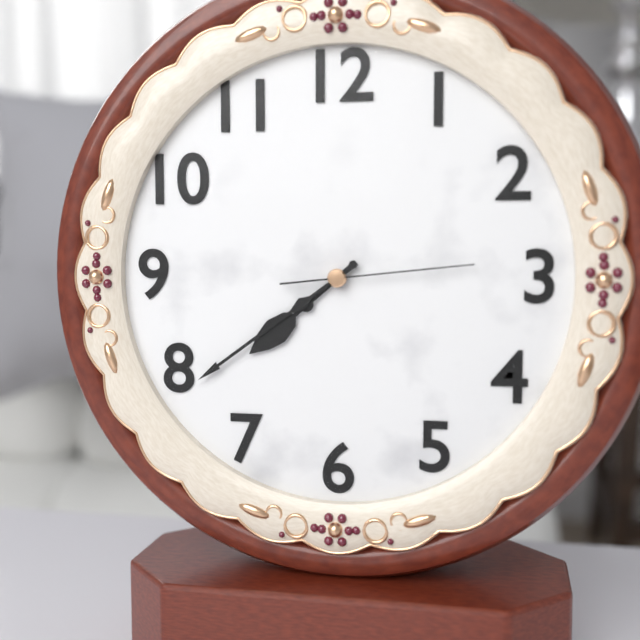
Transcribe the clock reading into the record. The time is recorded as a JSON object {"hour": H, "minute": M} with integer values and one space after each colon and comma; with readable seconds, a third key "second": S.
{"hour": 7, "minute": 39, "second": 14}
